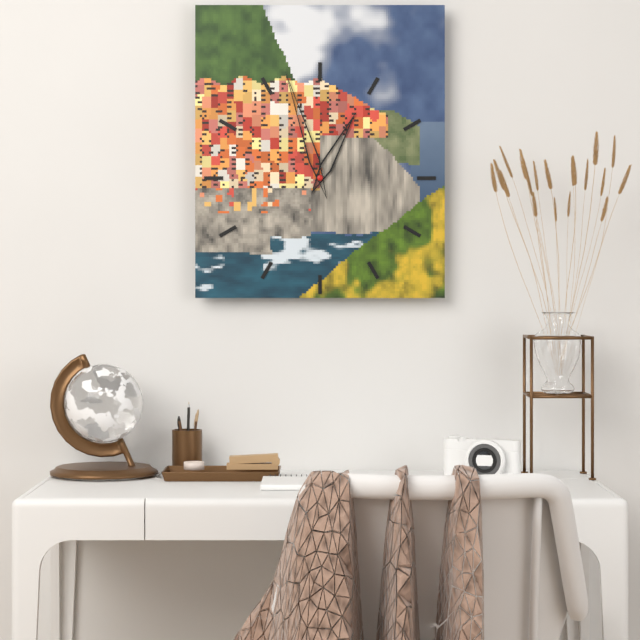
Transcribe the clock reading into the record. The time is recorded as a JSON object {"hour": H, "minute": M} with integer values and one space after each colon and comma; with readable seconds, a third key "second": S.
{"hour": 12, "minute": 57}
